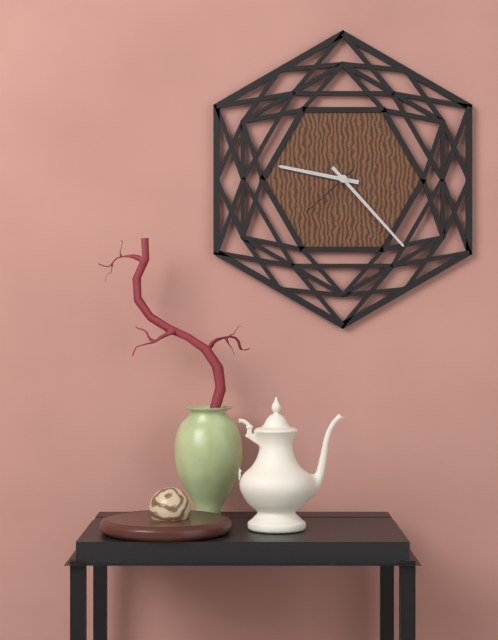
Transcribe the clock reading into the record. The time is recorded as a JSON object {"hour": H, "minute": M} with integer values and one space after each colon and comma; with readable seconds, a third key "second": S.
{"hour": 9, "minute": 23, "second": 38}
